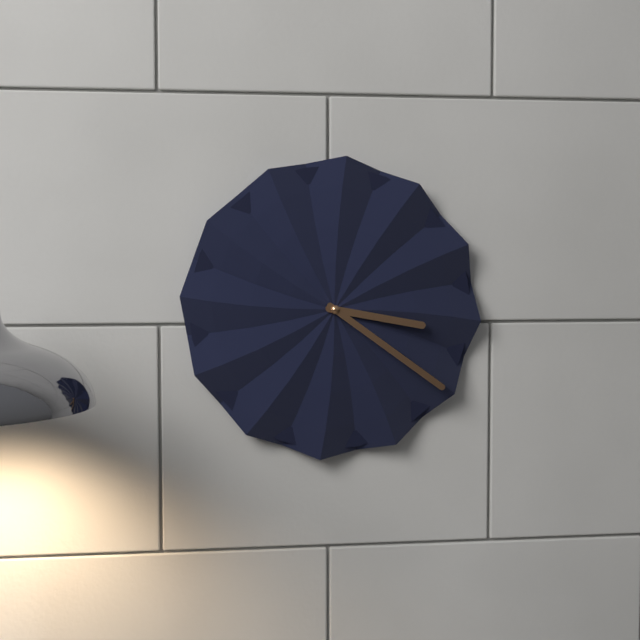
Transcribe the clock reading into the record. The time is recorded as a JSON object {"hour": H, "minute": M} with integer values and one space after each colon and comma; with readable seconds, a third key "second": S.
{"hour": 3, "minute": 21}
